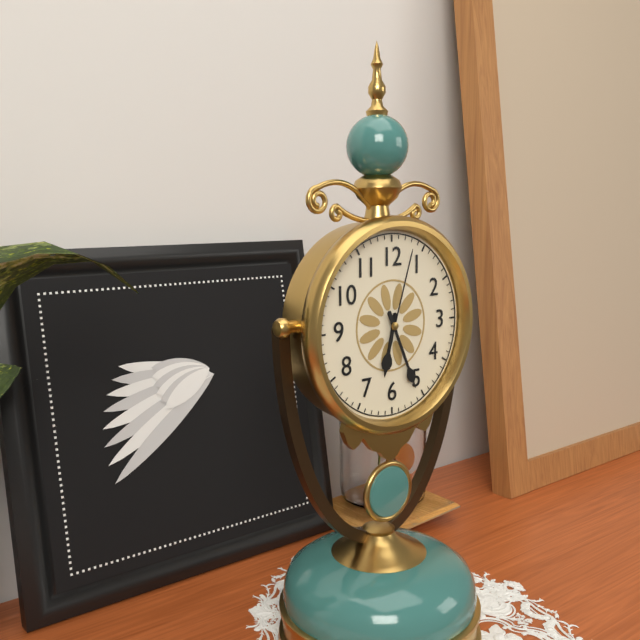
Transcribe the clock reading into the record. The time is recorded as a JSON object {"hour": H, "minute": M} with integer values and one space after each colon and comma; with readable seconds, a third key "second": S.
{"hour": 6, "minute": 26, "second": 3}
